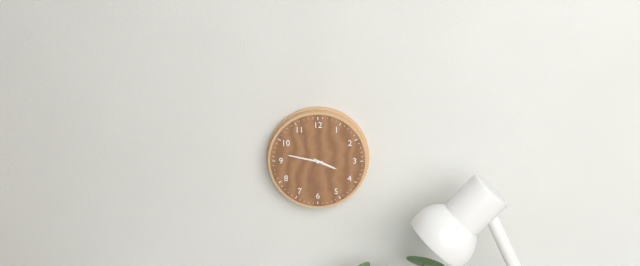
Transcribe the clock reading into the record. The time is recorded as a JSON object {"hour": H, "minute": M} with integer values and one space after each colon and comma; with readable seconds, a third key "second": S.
{"hour": 3, "minute": 47}
